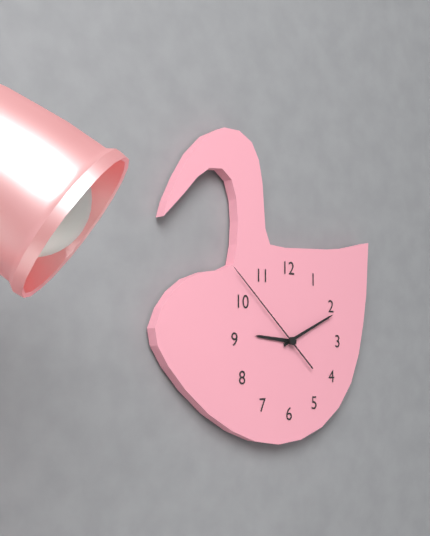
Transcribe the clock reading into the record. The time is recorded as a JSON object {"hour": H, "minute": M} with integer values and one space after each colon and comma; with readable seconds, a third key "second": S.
{"hour": 9, "minute": 11, "second": 52}
